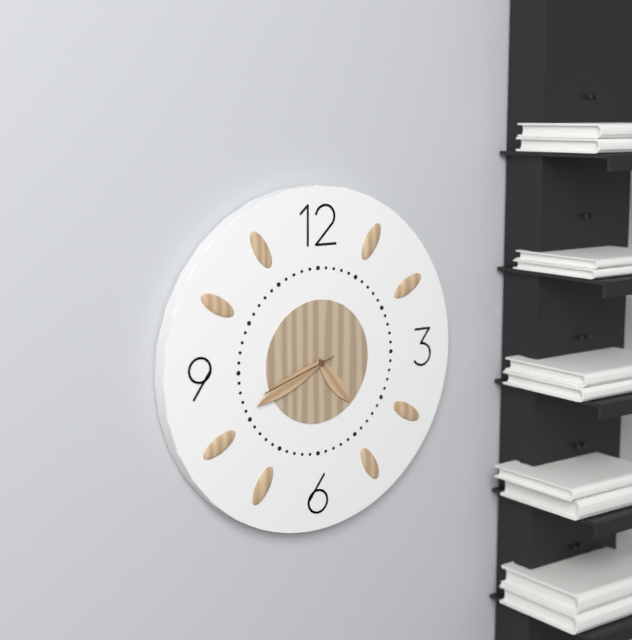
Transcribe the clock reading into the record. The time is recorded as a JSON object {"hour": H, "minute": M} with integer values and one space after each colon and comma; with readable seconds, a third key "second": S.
{"hour": 4, "minute": 41, "second": 42}
